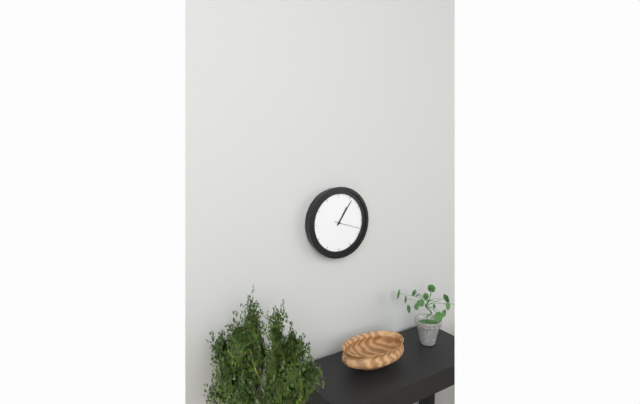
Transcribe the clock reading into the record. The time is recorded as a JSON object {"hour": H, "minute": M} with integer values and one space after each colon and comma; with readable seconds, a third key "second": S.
{"hour": 1, "minute": 6}
